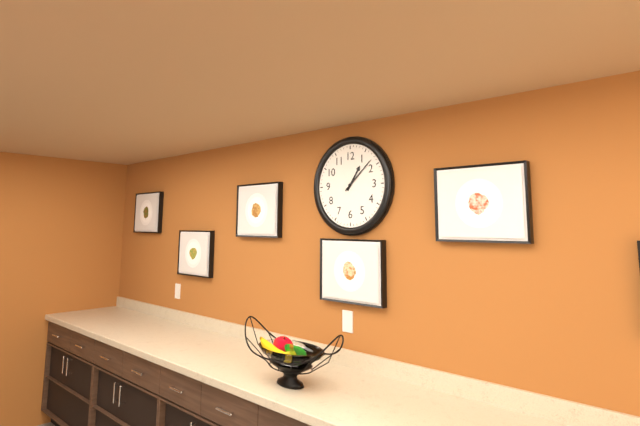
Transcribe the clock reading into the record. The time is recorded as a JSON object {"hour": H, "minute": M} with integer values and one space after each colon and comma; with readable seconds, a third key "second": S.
{"hour": 1, "minute": 8}
